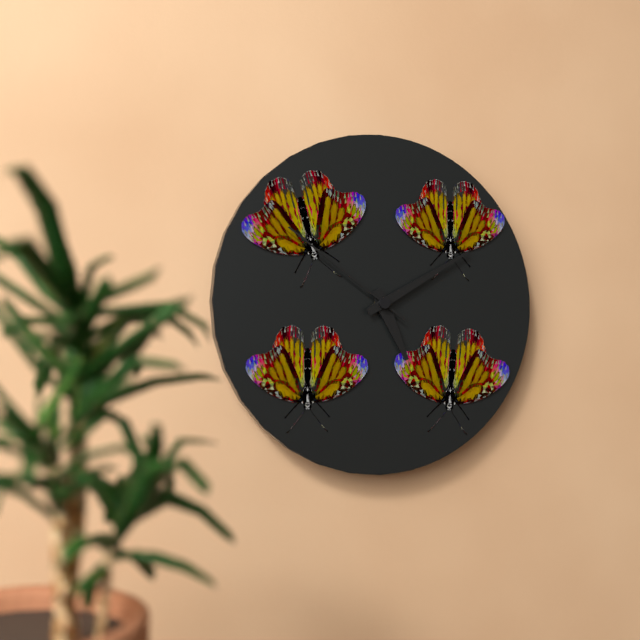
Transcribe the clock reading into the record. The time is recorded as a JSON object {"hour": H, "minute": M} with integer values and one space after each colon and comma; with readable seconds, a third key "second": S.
{"hour": 5, "minute": 10, "second": 51}
